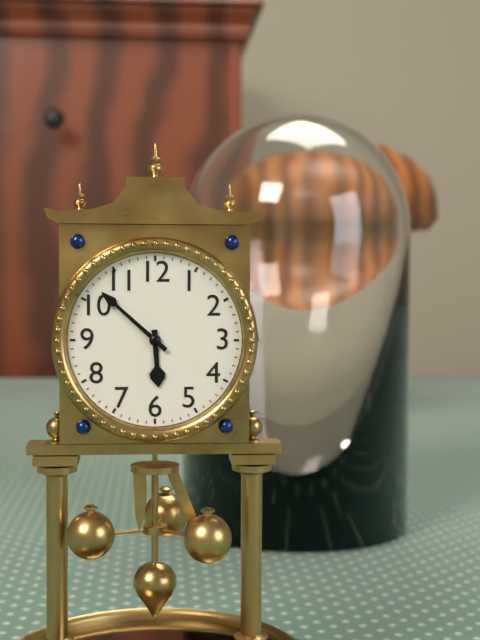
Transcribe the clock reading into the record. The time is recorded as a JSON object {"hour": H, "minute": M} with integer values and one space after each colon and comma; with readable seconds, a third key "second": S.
{"hour": 5, "minute": 52}
